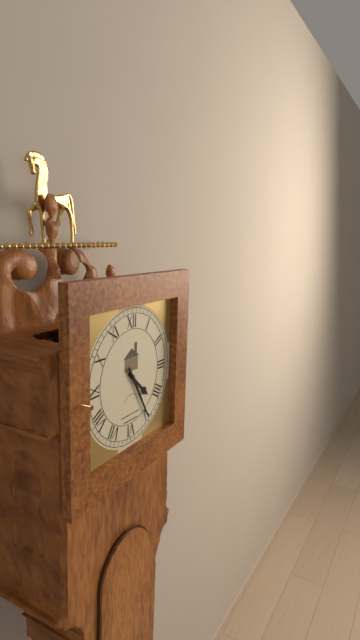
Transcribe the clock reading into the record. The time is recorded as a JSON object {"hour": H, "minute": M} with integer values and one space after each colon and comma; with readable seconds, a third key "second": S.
{"hour": 4, "minute": 25}
